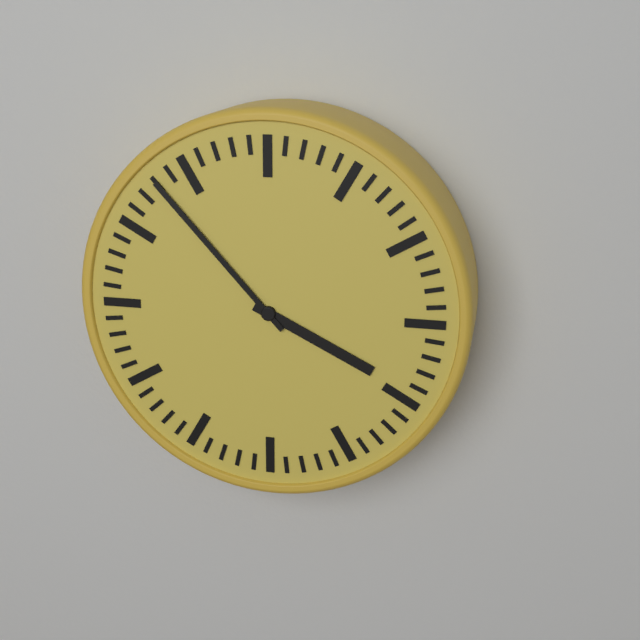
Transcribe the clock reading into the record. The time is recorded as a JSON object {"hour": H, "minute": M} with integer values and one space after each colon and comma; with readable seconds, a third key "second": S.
{"hour": 3, "minute": 53}
